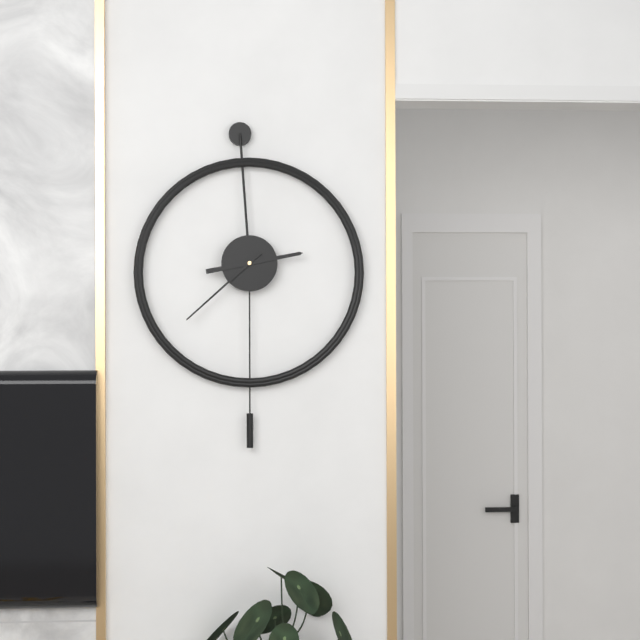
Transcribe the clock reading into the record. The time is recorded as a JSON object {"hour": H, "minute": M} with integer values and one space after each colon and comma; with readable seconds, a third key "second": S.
{"hour": 2, "minute": 38}
